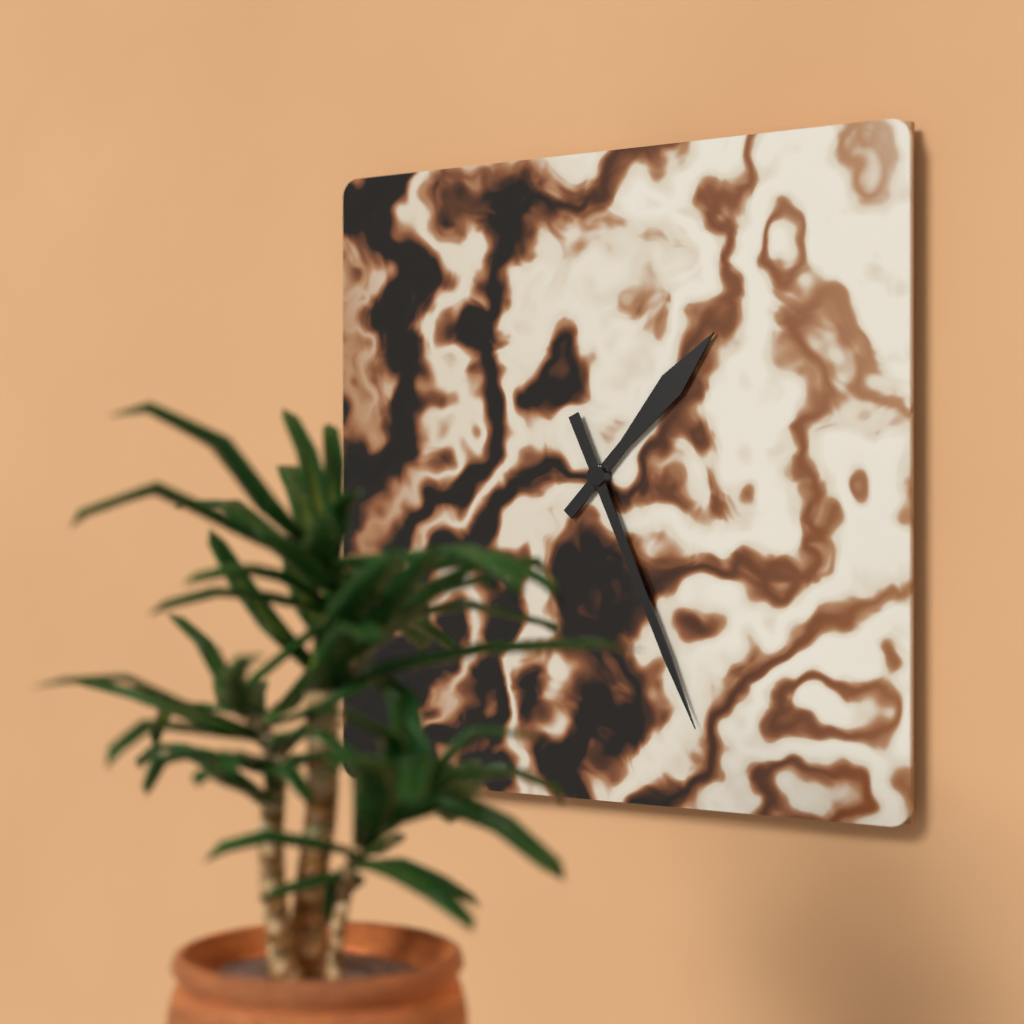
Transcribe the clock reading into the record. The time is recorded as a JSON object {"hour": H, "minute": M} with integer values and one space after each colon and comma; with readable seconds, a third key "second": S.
{"hour": 1, "minute": 26}
